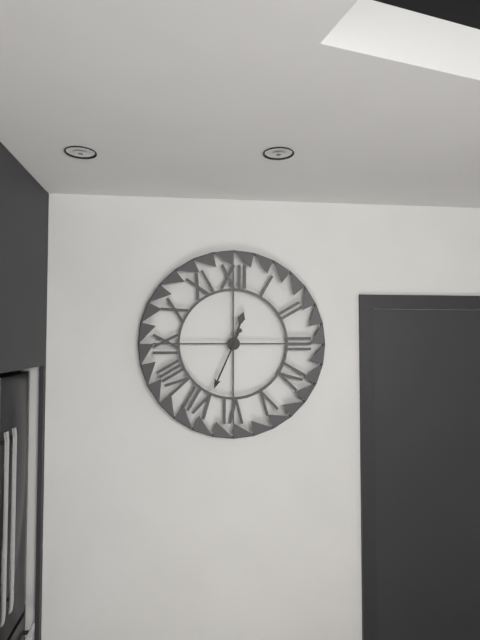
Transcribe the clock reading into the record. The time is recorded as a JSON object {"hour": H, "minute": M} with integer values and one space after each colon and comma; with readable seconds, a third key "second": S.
{"hour": 12, "minute": 34}
